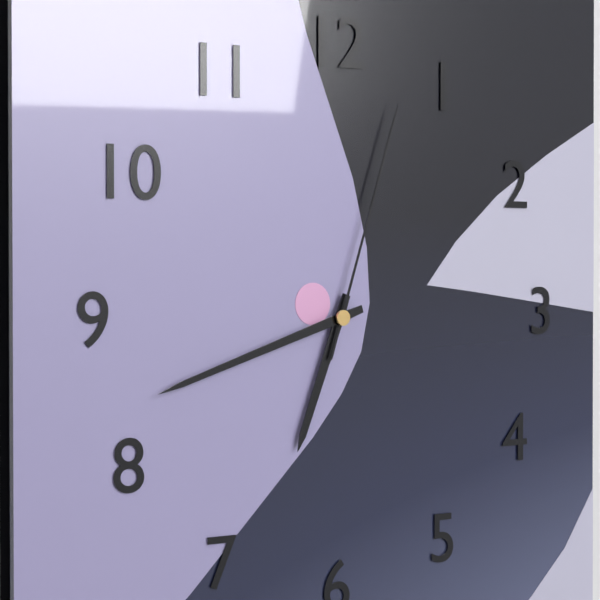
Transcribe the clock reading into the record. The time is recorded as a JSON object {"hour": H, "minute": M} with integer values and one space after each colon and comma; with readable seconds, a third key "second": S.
{"hour": 6, "minute": 42, "second": 3}
